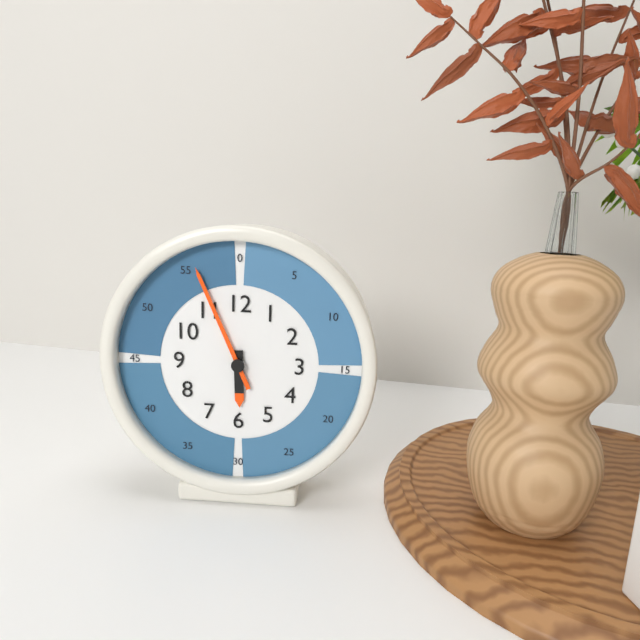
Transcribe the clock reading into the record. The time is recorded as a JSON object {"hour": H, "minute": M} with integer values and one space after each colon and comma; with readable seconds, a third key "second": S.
{"hour": 5, "minute": 56}
